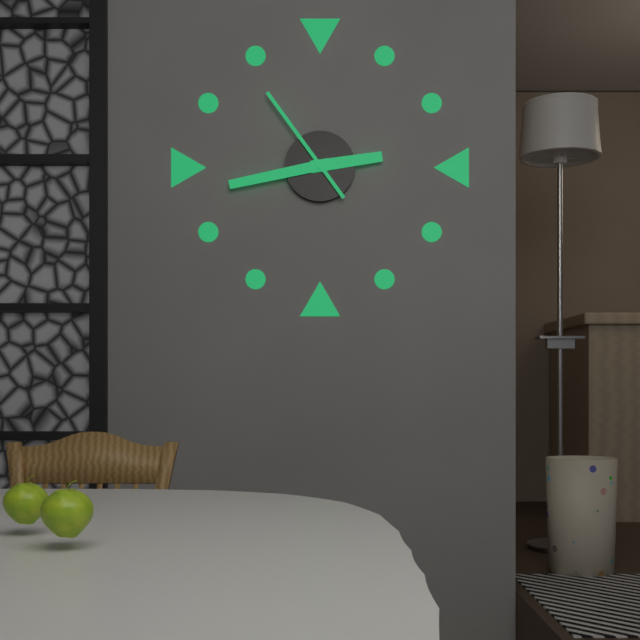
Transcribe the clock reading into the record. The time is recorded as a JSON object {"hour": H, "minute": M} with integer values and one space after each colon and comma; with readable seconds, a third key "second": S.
{"hour": 2, "minute": 43, "second": 54}
